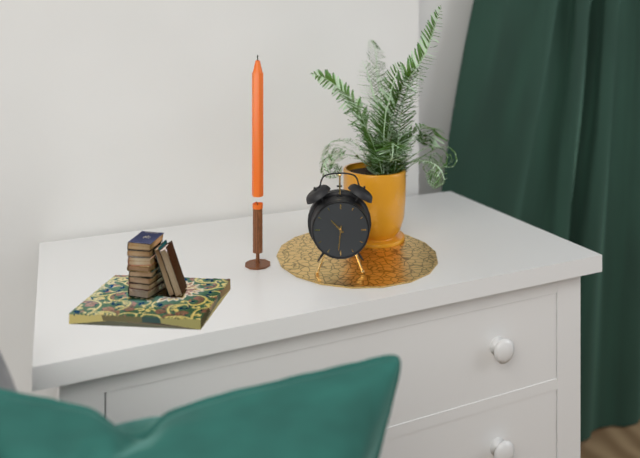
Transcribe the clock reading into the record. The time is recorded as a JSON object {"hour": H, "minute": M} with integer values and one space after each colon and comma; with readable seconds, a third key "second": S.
{"hour": 10, "minute": 31}
